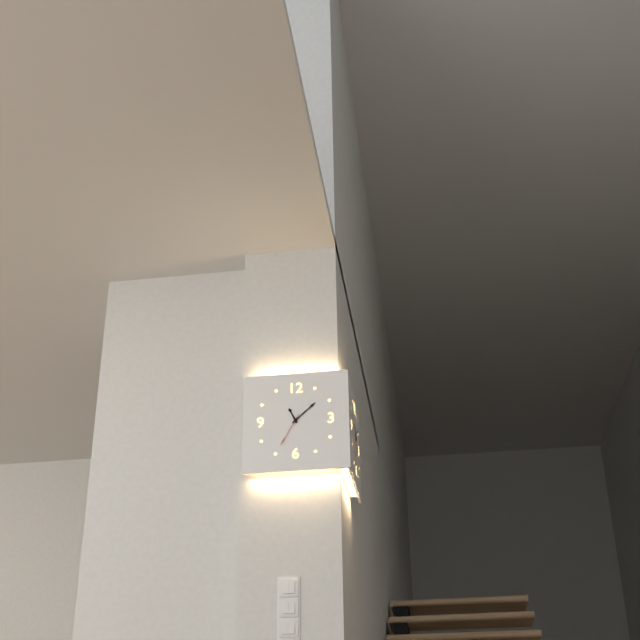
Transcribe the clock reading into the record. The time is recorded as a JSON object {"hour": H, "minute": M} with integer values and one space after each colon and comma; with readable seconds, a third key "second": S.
{"hour": 11, "minute": 8}
